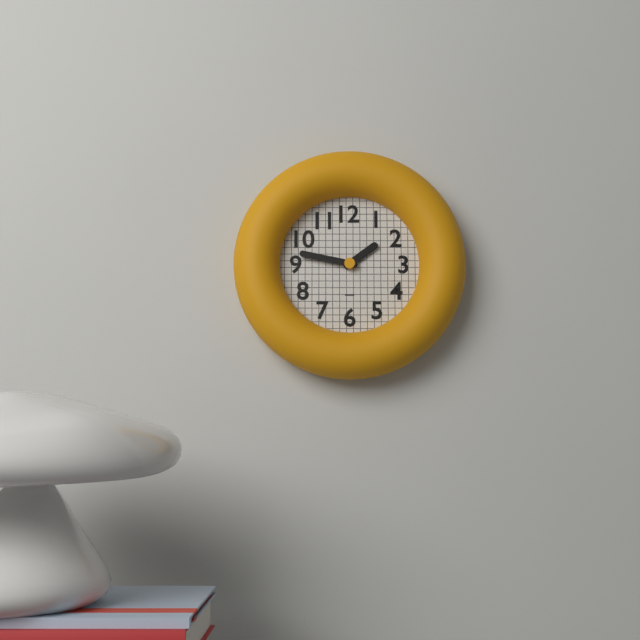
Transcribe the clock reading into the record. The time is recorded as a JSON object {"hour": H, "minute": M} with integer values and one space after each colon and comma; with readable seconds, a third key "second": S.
{"hour": 1, "minute": 47}
